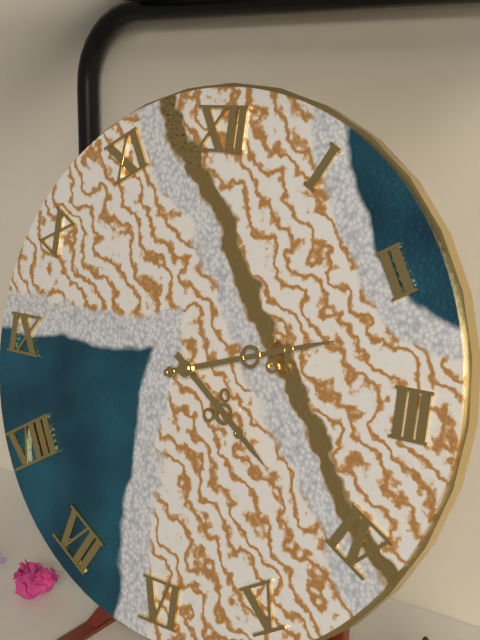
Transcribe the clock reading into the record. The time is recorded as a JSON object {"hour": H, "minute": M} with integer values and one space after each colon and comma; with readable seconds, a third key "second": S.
{"hour": 4, "minute": 12}
